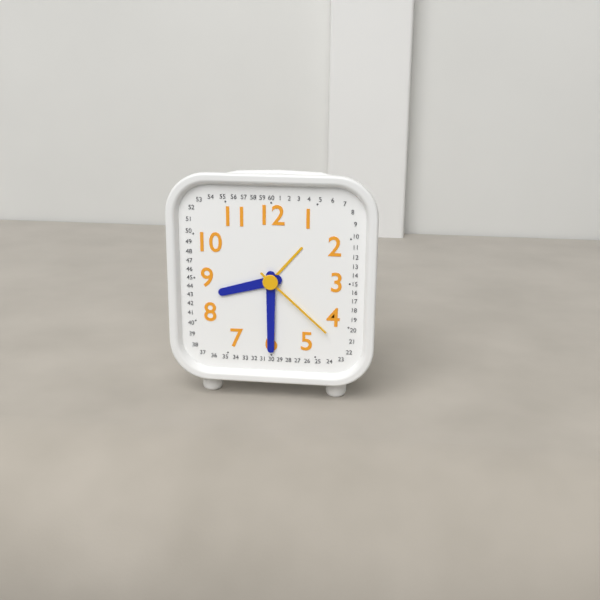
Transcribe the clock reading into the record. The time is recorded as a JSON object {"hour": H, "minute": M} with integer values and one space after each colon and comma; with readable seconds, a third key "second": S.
{"hour": 8, "minute": 30, "second": 22}
